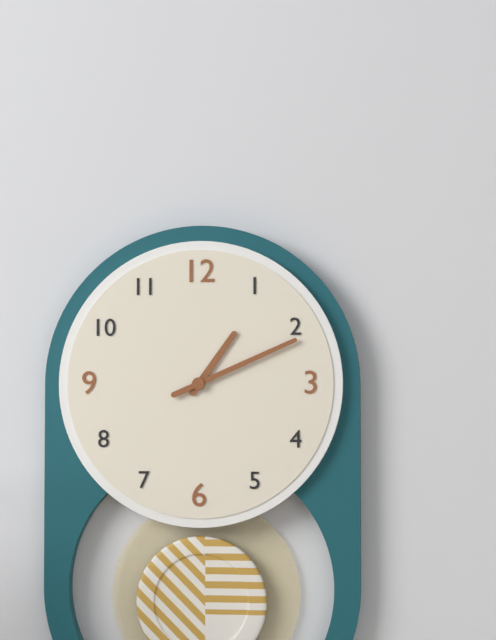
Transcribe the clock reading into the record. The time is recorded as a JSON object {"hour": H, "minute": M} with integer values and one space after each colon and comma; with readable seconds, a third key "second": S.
{"hour": 1, "minute": 11}
